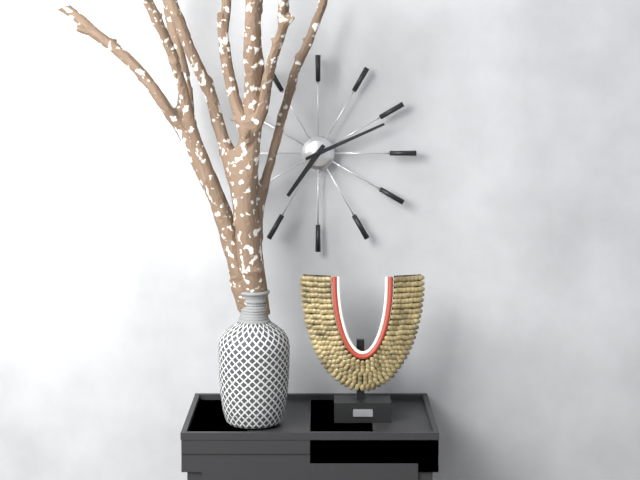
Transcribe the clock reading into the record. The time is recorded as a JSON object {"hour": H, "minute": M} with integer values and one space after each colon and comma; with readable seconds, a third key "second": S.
{"hour": 7, "minute": 11}
